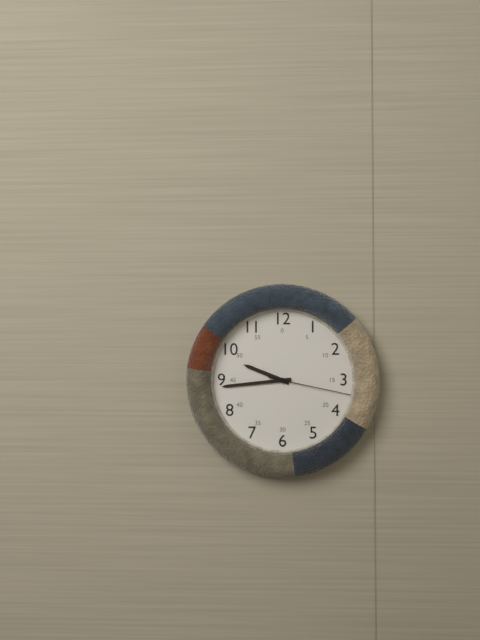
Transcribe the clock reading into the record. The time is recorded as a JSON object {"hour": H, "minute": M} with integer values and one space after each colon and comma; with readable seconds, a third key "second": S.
{"hour": 9, "minute": 44, "second": 17}
